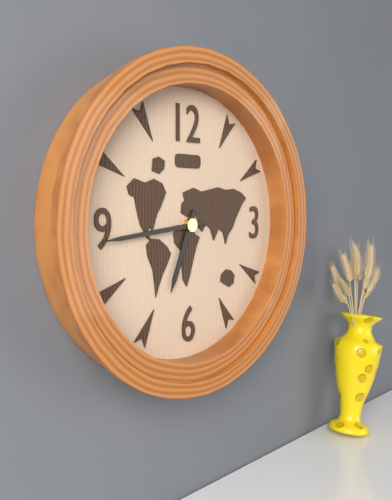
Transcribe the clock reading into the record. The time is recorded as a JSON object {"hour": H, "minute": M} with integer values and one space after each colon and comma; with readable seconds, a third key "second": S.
{"hour": 6, "minute": 44}
